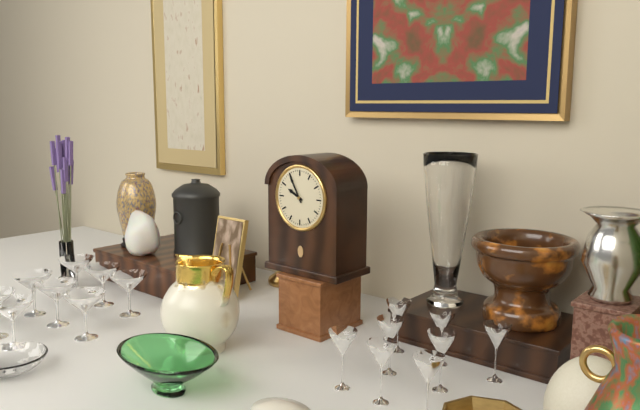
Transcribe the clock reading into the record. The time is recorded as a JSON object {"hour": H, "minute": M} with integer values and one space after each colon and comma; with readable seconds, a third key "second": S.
{"hour": 9, "minute": 55}
